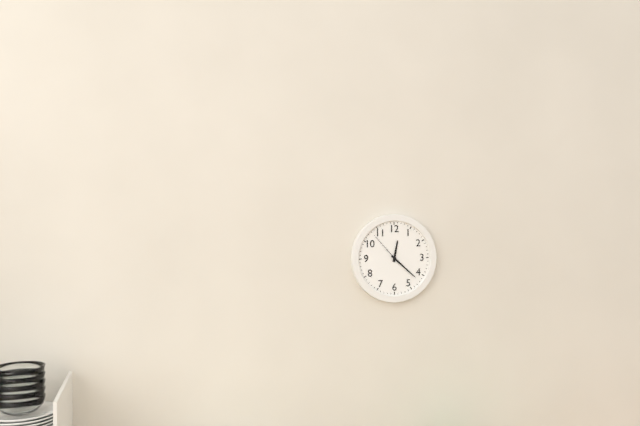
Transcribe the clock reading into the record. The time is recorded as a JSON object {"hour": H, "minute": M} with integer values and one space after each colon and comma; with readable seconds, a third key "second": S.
{"hour": 12, "minute": 22}
